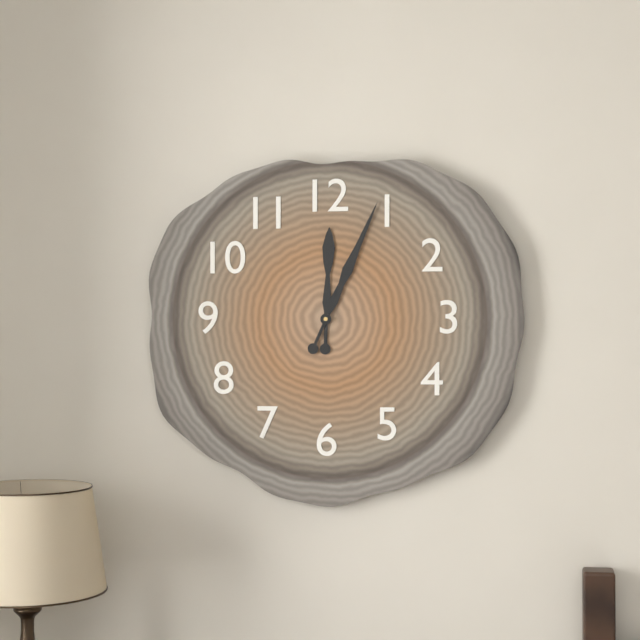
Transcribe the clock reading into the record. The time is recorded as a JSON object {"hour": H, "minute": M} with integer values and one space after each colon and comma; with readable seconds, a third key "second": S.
{"hour": 12, "minute": 4}
